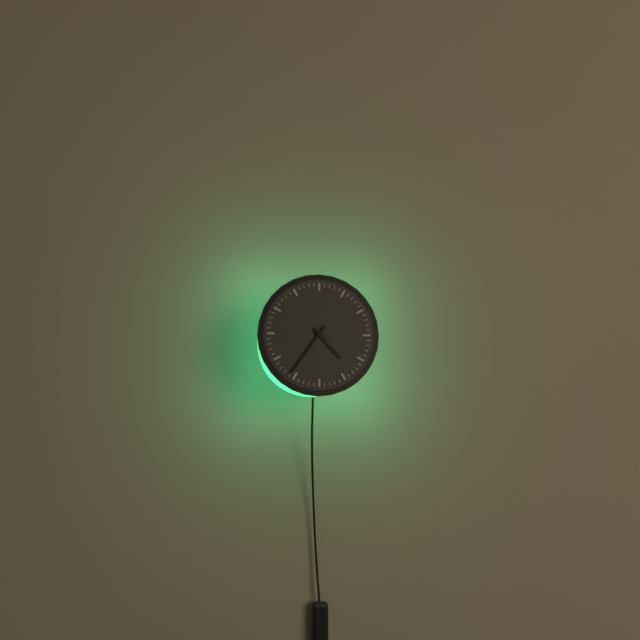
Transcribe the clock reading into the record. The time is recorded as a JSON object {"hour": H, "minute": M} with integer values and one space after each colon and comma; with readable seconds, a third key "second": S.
{"hour": 4, "minute": 36}
